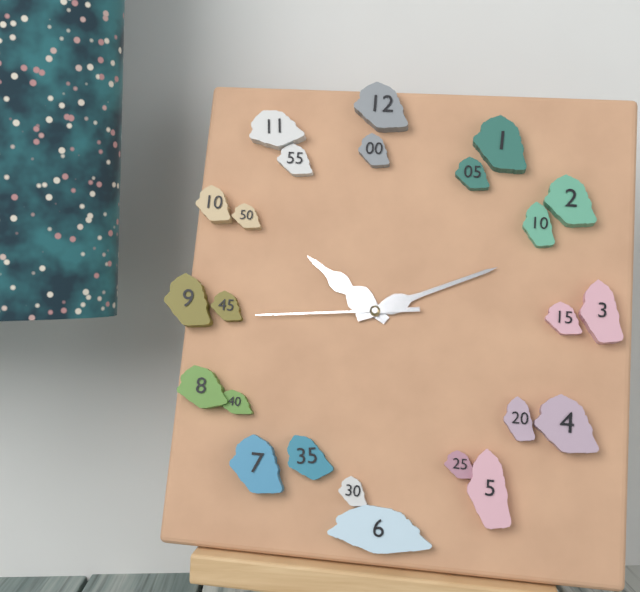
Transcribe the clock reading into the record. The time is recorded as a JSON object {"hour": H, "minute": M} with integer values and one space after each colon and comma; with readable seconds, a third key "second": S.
{"hour": 10, "minute": 11, "second": 44}
